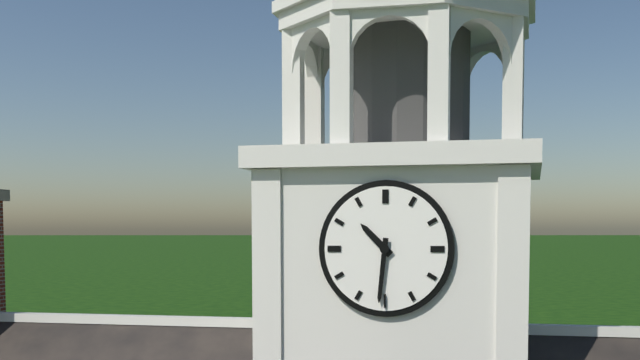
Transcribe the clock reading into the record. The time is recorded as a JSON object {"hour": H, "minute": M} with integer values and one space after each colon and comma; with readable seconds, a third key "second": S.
{"hour": 10, "minute": 31}
